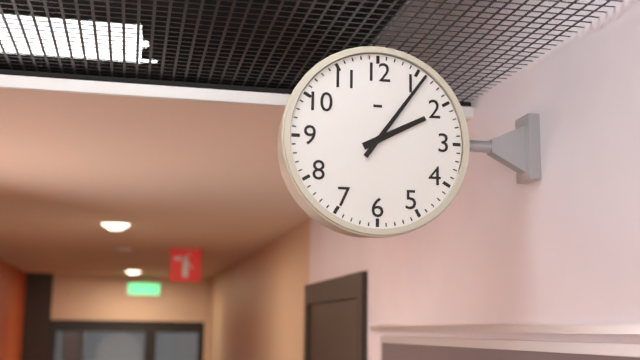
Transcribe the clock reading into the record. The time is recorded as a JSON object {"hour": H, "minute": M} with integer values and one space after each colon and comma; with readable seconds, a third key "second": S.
{"hour": 2, "minute": 6}
